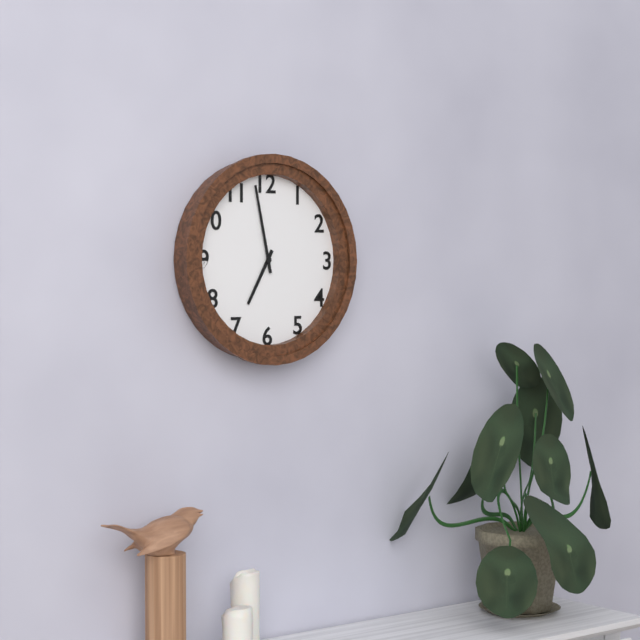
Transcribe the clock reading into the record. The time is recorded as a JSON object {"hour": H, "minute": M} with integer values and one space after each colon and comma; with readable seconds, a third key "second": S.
{"hour": 6, "minute": 58}
